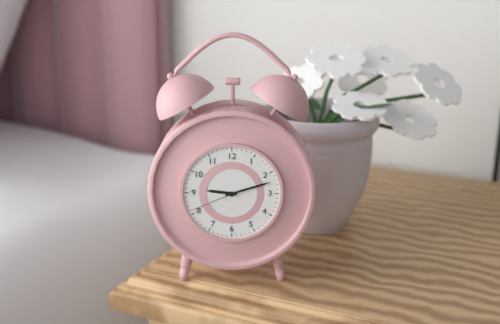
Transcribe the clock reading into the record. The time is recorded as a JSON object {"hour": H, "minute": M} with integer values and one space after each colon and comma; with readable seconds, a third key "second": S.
{"hour": 9, "minute": 12, "second": 41}
